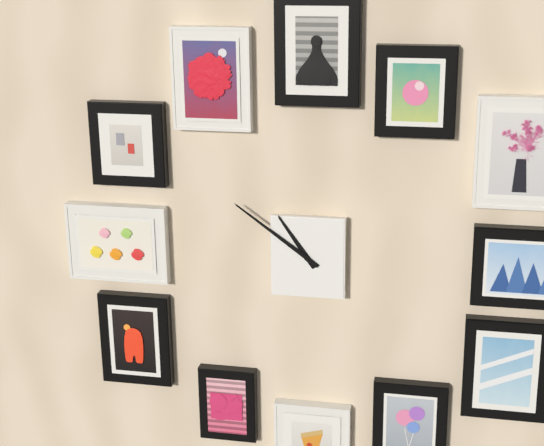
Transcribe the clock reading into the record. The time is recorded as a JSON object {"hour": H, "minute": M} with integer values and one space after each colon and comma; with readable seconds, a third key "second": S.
{"hour": 10, "minute": 51}
